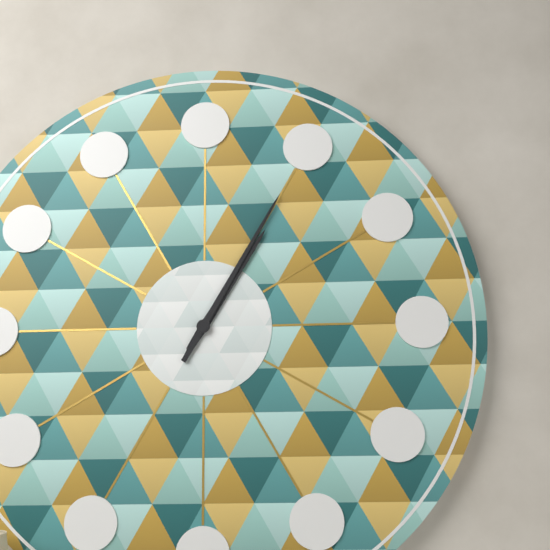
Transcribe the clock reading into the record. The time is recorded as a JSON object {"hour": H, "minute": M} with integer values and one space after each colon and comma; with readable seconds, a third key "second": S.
{"hour": 1, "minute": 5}
